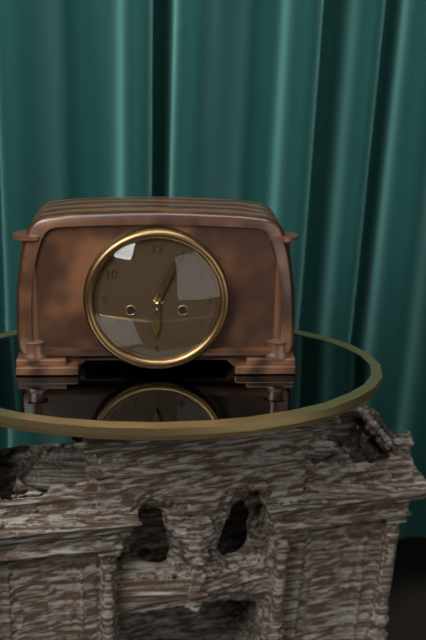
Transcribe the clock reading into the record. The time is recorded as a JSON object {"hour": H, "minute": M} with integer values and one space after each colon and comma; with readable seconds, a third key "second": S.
{"hour": 6, "minute": 4}
